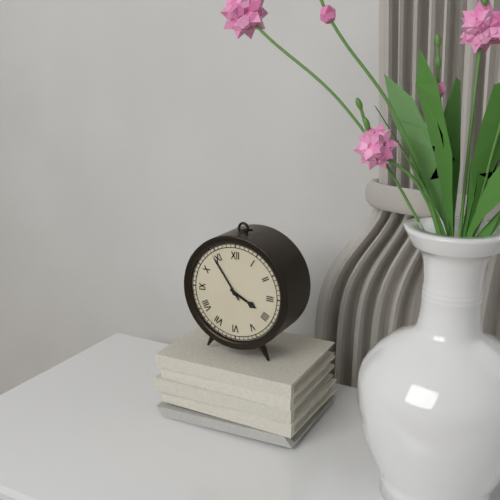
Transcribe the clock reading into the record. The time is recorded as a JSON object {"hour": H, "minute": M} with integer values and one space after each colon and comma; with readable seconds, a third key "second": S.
{"hour": 3, "minute": 54}
